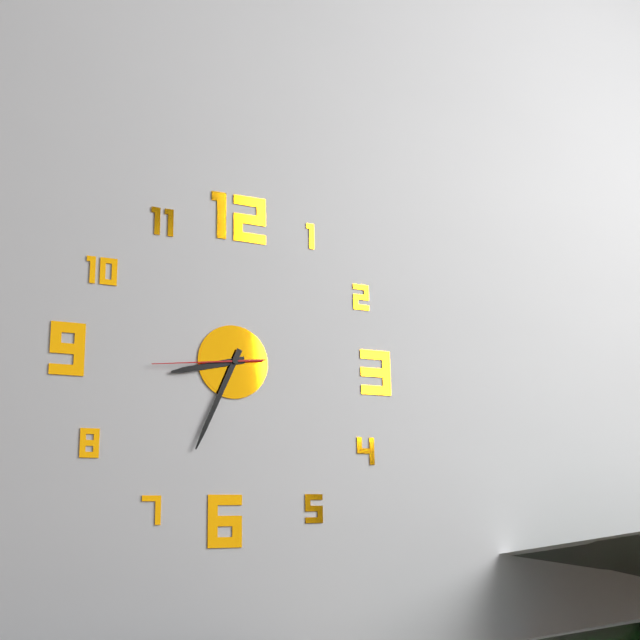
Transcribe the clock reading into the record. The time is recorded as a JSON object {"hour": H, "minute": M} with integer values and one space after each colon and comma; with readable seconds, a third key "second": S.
{"hour": 8, "minute": 34, "second": 44}
